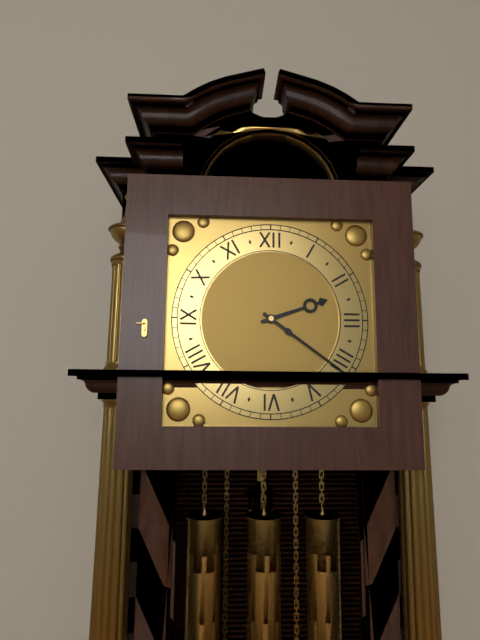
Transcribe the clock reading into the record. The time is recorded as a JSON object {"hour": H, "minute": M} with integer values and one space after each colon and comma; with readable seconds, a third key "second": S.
{"hour": 2, "minute": 21}
